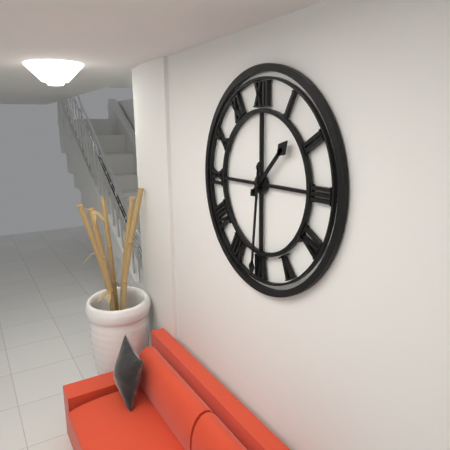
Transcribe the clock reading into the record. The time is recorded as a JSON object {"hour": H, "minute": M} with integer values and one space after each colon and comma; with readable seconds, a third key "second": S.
{"hour": 1, "minute": 31}
